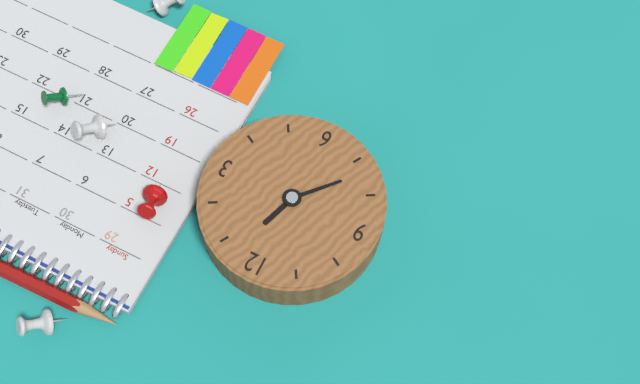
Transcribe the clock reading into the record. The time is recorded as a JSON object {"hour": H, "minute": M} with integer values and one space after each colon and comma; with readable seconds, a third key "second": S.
{"hour": 12, "minute": 37}
